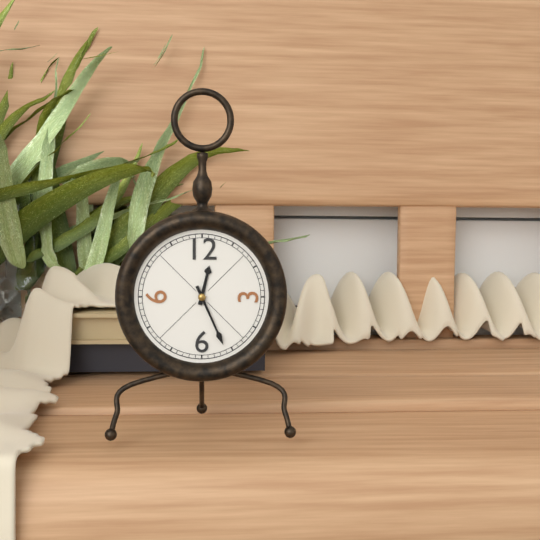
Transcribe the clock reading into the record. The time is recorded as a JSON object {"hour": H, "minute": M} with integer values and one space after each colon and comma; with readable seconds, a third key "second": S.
{"hour": 12, "minute": 26}
